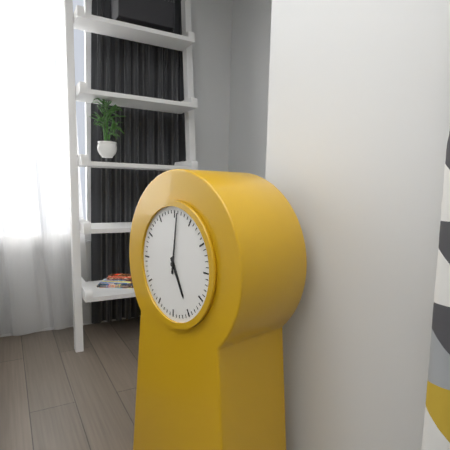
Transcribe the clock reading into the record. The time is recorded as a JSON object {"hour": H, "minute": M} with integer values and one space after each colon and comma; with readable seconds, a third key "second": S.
{"hour": 5, "minute": 1}
